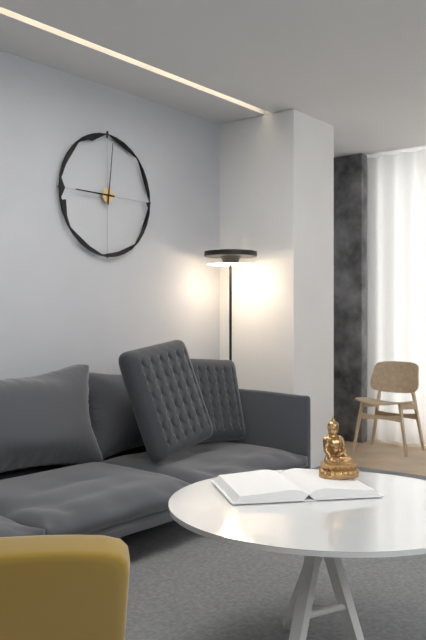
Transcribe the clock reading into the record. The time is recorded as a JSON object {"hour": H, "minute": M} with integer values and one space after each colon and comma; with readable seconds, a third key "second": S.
{"hour": 9, "minute": 1}
